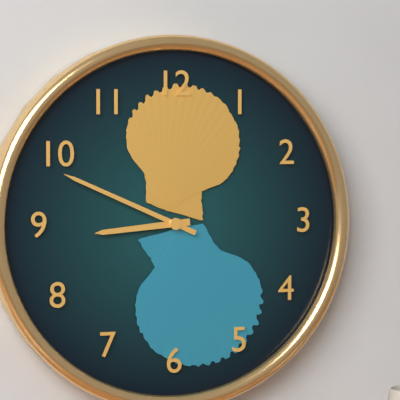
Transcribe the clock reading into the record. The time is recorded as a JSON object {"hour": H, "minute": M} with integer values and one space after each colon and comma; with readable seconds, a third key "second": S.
{"hour": 8, "minute": 49}
